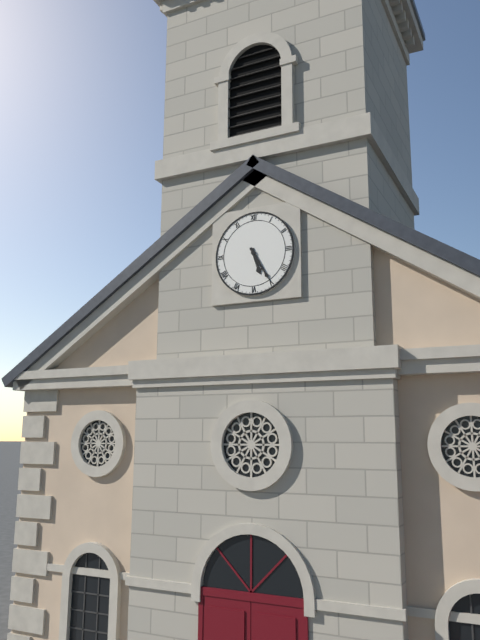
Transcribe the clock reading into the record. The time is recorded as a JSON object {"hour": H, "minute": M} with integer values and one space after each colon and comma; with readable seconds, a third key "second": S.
{"hour": 5, "minute": 25}
